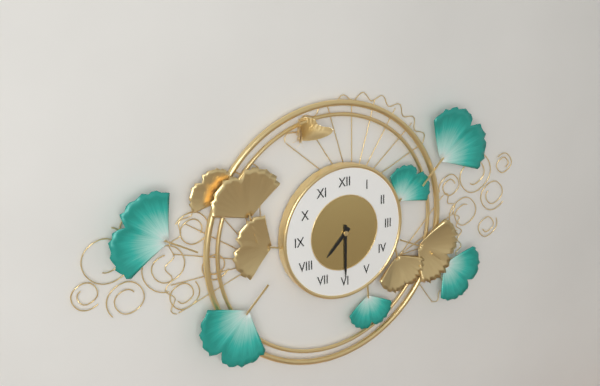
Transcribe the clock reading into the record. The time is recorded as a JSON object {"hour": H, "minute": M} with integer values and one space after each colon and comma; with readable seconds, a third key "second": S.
{"hour": 7, "minute": 30}
